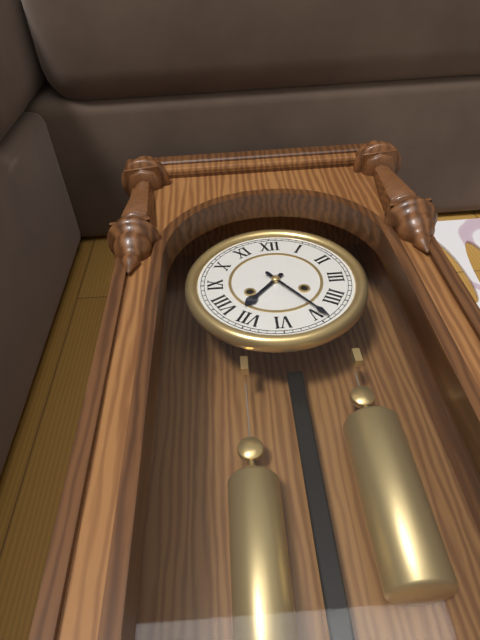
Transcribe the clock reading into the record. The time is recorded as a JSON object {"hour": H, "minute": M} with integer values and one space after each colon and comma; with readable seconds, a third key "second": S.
{"hour": 7, "minute": 24}
